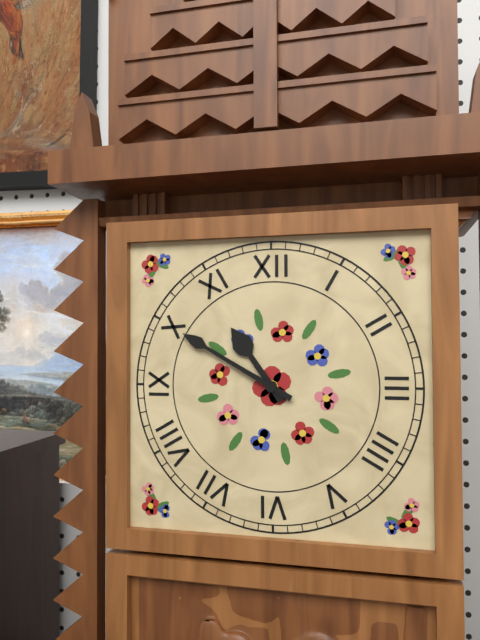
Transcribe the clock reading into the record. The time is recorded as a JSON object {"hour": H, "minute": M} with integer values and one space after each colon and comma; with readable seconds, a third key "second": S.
{"hour": 10, "minute": 50}
